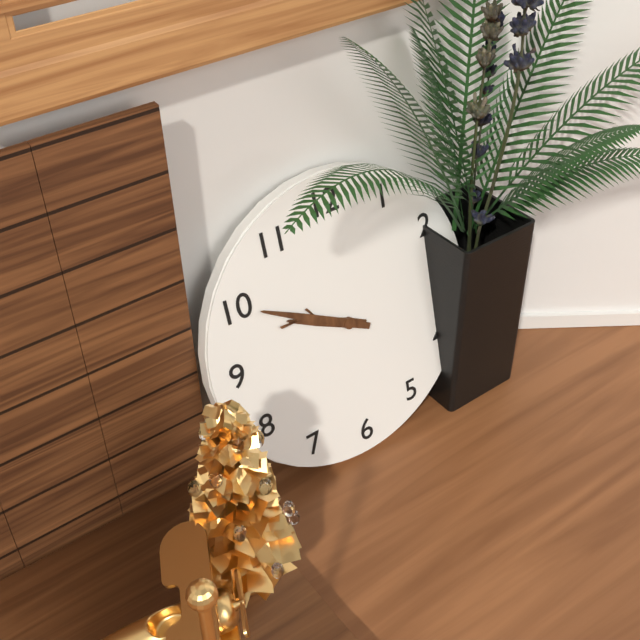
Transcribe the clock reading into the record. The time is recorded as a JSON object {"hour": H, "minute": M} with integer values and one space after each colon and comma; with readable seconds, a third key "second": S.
{"hour": 9, "minute": 50}
